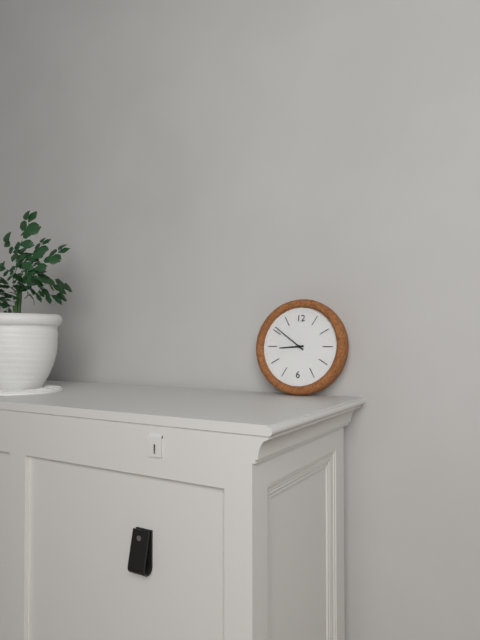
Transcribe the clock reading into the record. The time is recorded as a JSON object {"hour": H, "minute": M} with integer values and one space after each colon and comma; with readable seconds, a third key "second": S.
{"hour": 8, "minute": 51}
